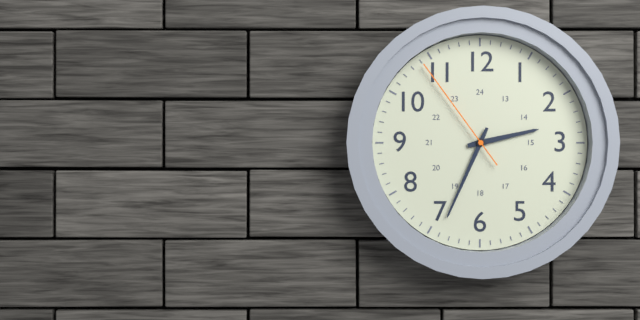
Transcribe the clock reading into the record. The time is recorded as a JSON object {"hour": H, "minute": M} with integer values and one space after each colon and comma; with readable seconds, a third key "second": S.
{"hour": 2, "minute": 34, "second": 54}
